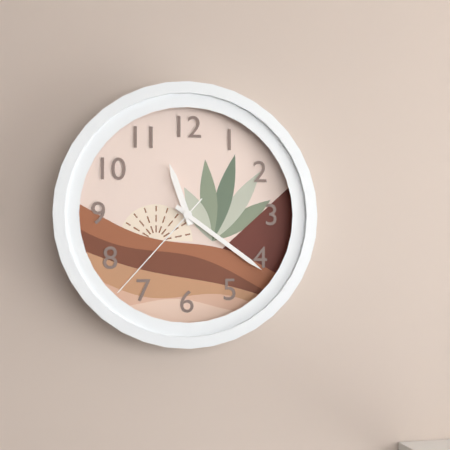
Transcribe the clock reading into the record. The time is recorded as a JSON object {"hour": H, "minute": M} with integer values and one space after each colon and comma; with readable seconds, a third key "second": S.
{"hour": 11, "minute": 21, "second": 37}
